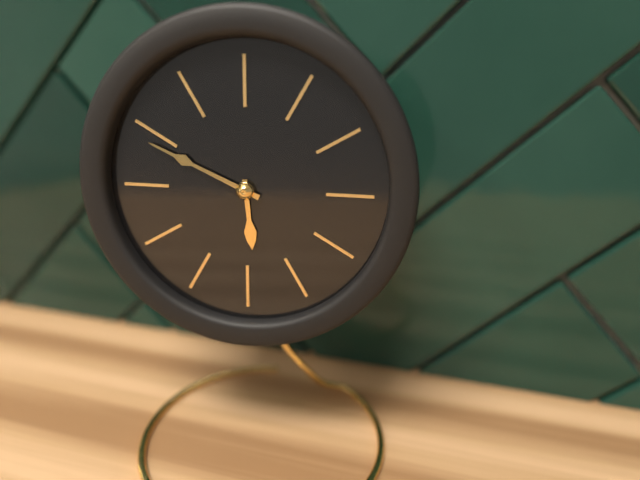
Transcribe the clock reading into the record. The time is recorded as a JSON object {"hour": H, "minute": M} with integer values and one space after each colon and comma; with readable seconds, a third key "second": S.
{"hour": 5, "minute": 49}
